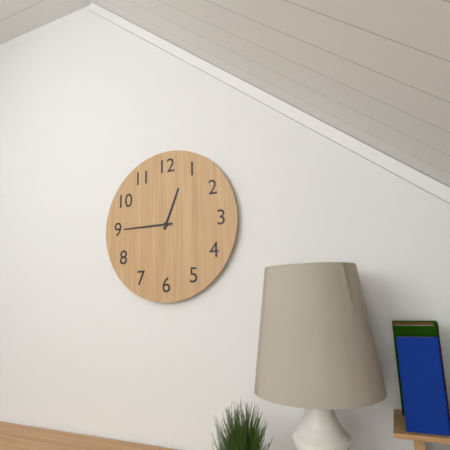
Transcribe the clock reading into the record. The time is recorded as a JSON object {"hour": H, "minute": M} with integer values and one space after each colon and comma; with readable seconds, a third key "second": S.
{"hour": 12, "minute": 45}
